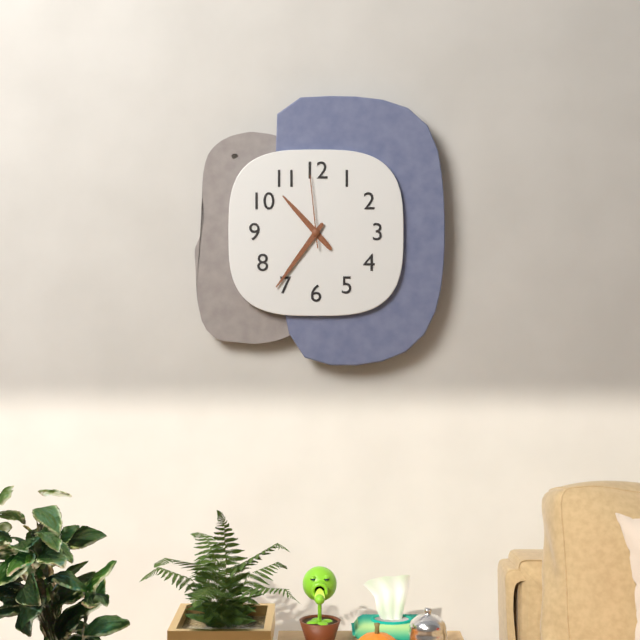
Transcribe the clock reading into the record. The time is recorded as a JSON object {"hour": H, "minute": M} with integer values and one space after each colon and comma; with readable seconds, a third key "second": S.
{"hour": 10, "minute": 36, "second": 59}
